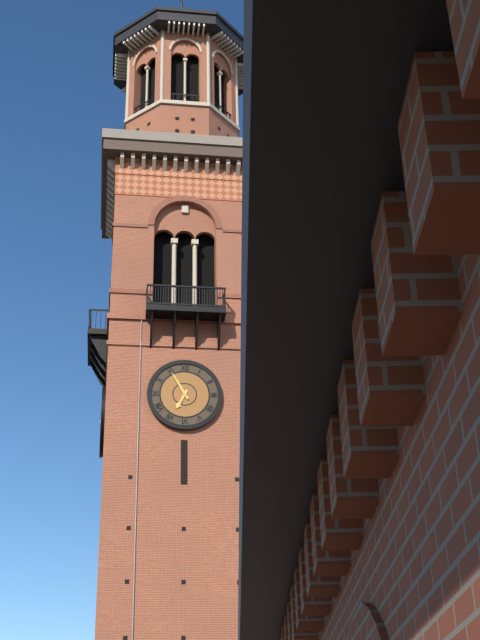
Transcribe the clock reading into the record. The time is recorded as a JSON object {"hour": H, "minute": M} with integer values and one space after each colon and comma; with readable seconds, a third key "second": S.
{"hour": 6, "minute": 55}
